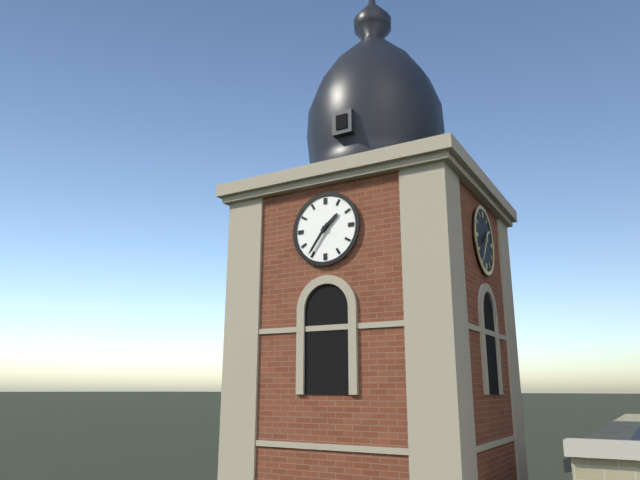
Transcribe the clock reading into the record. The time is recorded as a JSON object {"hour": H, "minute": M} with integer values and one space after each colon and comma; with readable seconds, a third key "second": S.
{"hour": 1, "minute": 36}
